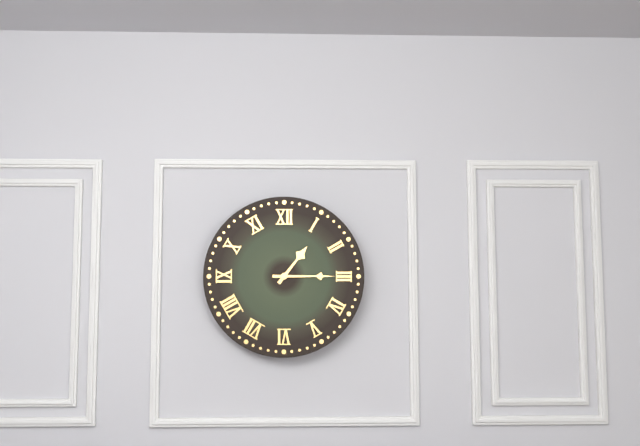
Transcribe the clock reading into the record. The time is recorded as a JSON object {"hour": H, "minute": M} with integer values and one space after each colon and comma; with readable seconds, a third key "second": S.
{"hour": 1, "minute": 15}
